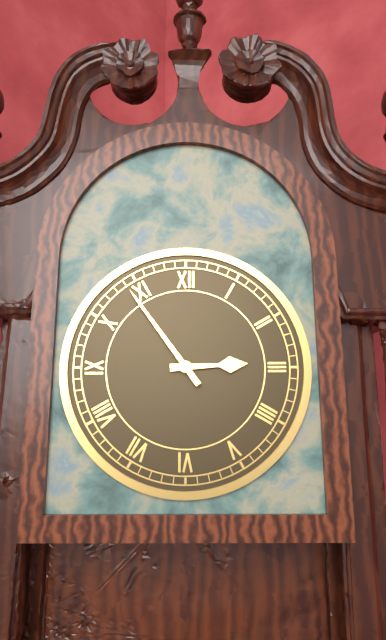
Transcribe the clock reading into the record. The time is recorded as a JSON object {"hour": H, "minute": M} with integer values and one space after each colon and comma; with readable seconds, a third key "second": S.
{"hour": 2, "minute": 54}
